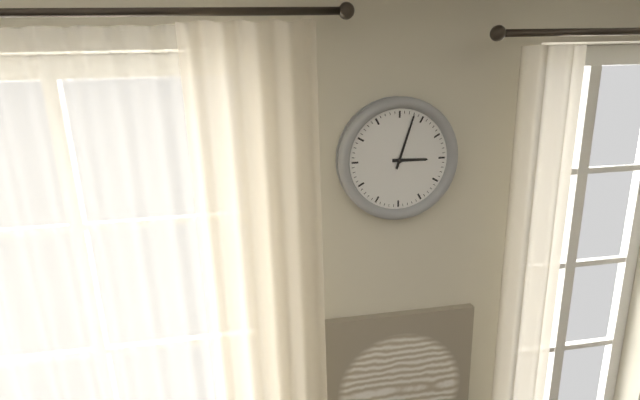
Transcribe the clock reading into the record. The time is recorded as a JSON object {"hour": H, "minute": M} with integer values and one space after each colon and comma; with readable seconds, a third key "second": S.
{"hour": 3, "minute": 3}
